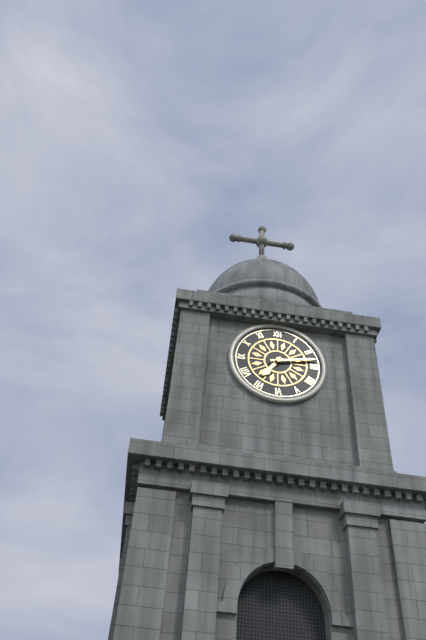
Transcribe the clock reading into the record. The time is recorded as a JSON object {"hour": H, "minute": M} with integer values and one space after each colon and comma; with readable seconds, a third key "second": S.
{"hour": 7, "minute": 13}
